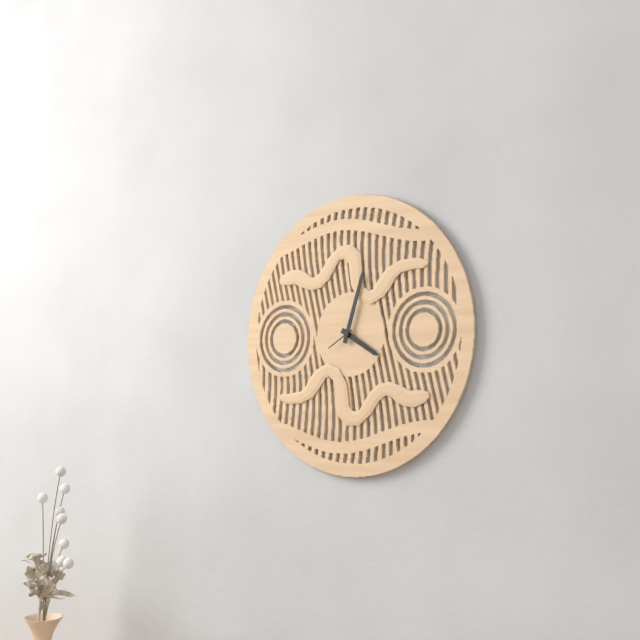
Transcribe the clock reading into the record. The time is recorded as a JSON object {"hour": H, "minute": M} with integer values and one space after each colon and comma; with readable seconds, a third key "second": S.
{"hour": 4, "minute": 3}
